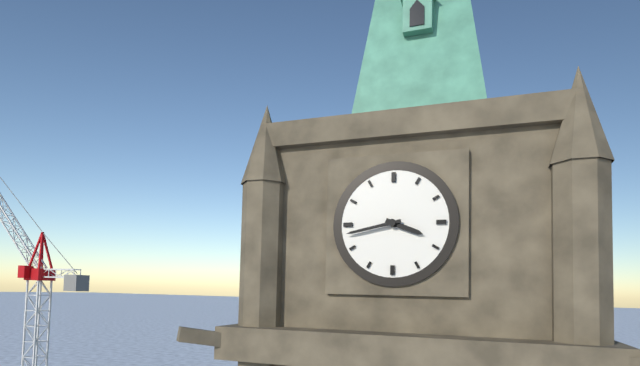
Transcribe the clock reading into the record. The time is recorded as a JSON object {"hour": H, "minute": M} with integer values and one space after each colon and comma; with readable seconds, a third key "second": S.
{"hour": 3, "minute": 43}
